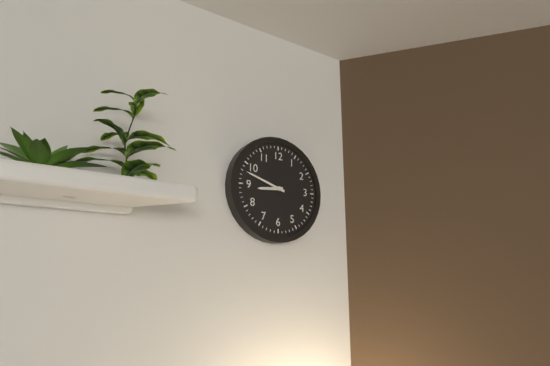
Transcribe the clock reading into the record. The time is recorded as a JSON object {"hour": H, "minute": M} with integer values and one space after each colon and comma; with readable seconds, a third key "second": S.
{"hour": 8, "minute": 48}
